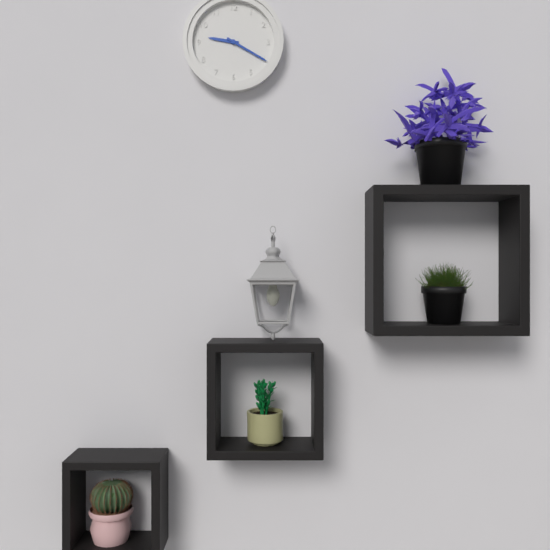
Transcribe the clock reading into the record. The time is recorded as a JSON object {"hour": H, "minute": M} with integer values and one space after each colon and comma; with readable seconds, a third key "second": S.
{"hour": 9, "minute": 20}
